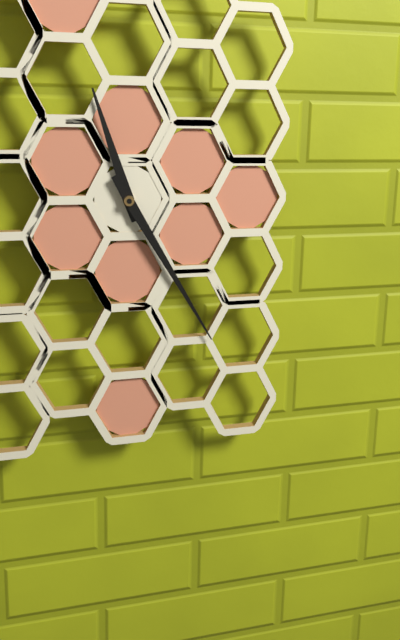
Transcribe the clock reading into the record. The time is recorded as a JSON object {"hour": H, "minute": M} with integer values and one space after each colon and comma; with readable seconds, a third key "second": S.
{"hour": 11, "minute": 25}
